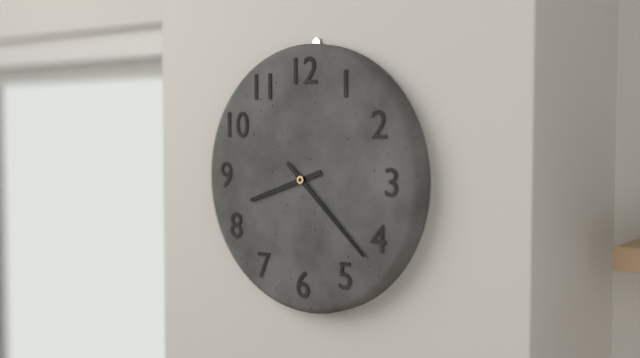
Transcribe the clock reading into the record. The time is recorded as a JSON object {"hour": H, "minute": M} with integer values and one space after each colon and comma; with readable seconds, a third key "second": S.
{"hour": 8, "minute": 22}
